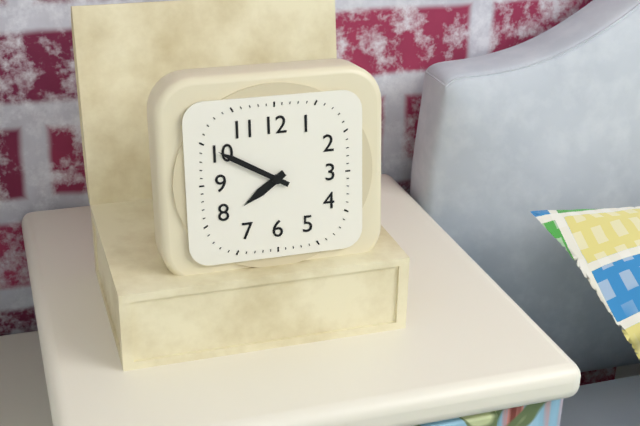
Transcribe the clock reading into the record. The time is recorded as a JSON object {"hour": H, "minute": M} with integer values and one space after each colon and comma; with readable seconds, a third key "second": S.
{"hour": 7, "minute": 50}
